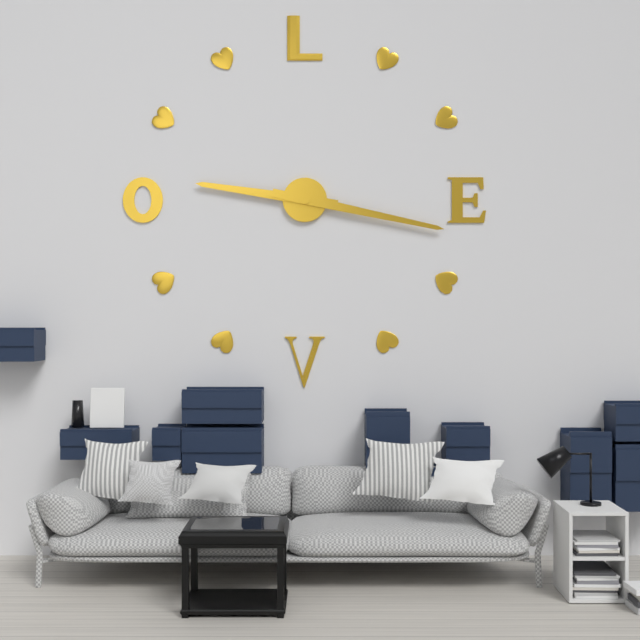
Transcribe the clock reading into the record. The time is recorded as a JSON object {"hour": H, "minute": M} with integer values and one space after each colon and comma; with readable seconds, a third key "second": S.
{"hour": 9, "minute": 17}
